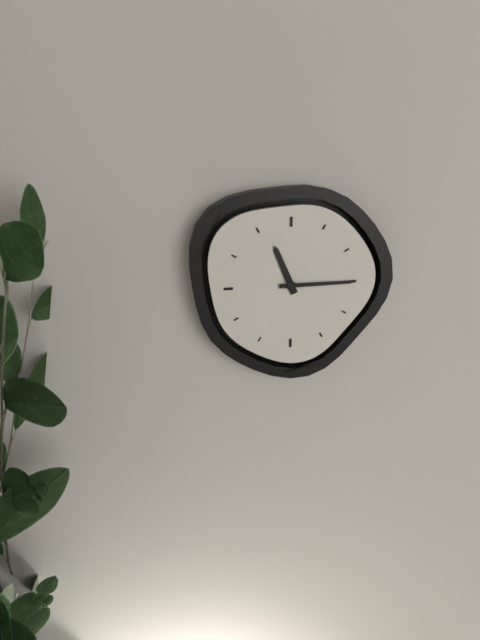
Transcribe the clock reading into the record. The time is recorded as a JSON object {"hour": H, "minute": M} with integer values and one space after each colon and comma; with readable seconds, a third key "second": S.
{"hour": 11, "minute": 15}
